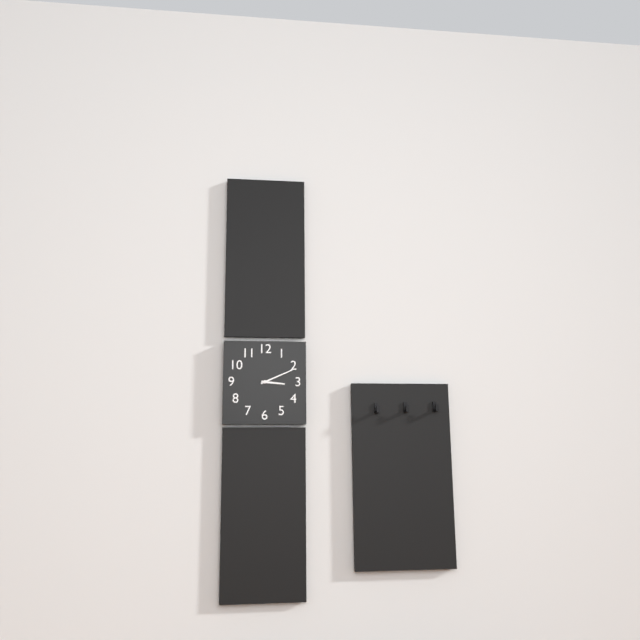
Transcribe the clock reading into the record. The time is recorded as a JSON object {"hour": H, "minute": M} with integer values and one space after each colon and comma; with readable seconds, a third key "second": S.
{"hour": 3, "minute": 11}
